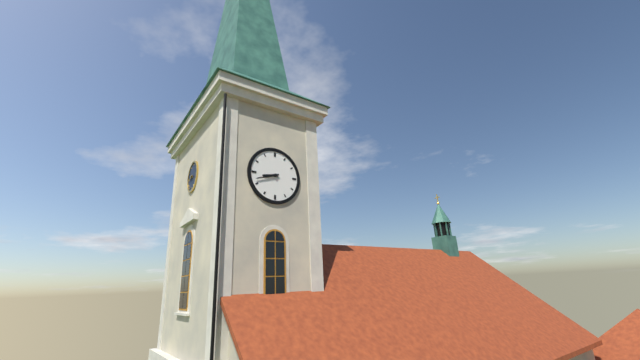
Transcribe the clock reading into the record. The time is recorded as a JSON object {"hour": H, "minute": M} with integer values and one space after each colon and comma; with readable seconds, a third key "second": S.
{"hour": 8, "minute": 42}
